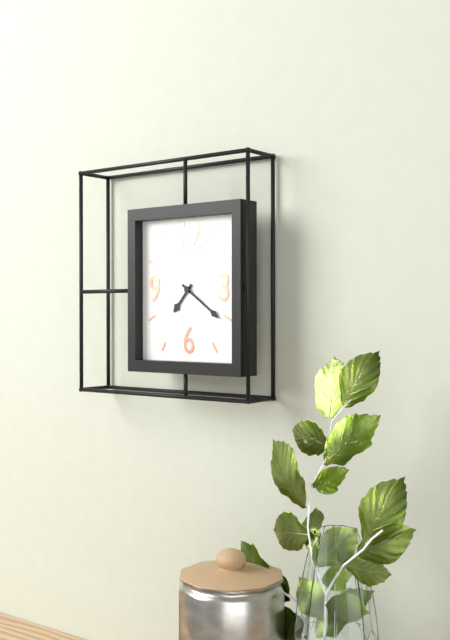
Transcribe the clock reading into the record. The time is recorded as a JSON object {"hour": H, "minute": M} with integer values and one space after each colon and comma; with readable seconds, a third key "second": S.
{"hour": 7, "minute": 21}
